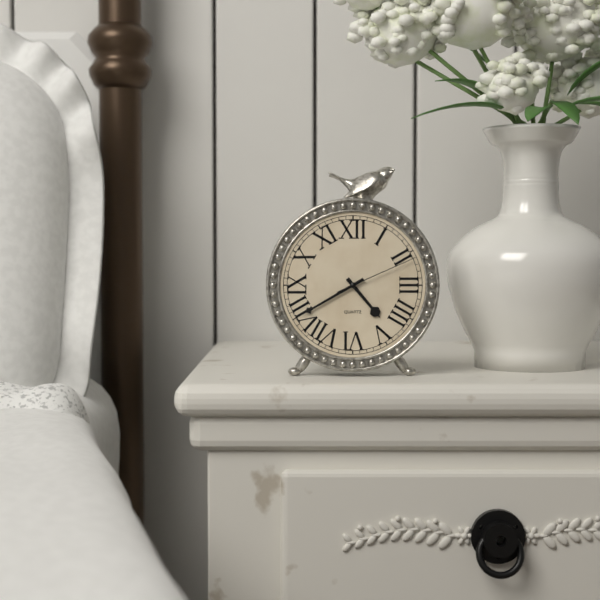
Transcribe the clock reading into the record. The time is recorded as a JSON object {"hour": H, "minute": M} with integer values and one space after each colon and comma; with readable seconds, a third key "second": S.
{"hour": 4, "minute": 40, "second": 11}
